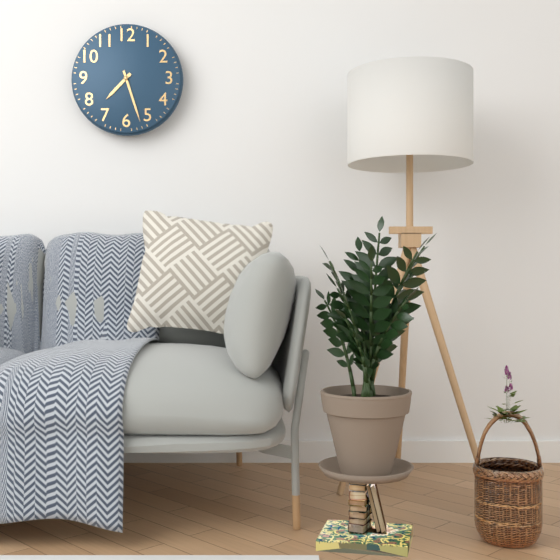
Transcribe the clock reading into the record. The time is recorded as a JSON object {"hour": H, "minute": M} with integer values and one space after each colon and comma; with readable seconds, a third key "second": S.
{"hour": 7, "minute": 27}
